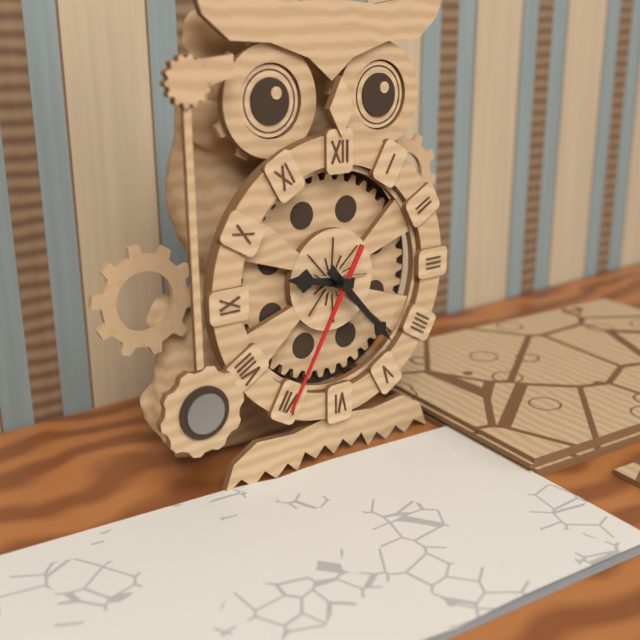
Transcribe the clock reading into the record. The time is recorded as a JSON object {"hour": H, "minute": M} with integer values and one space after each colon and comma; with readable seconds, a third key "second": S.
{"hour": 9, "minute": 23, "second": 35}
